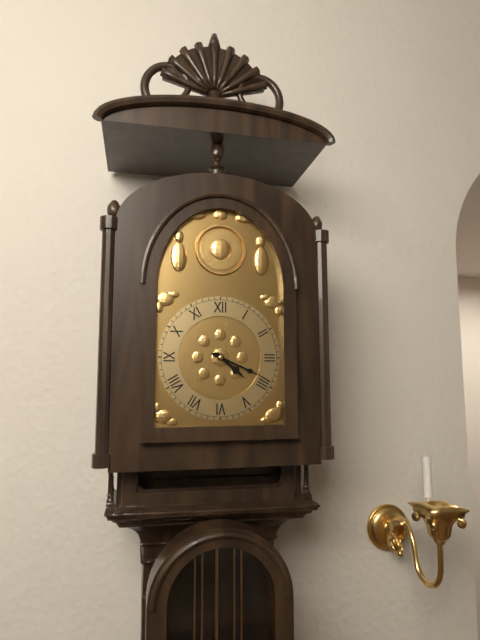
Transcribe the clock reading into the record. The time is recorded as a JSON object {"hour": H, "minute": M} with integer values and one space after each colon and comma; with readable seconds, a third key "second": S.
{"hour": 4, "minute": 19}
